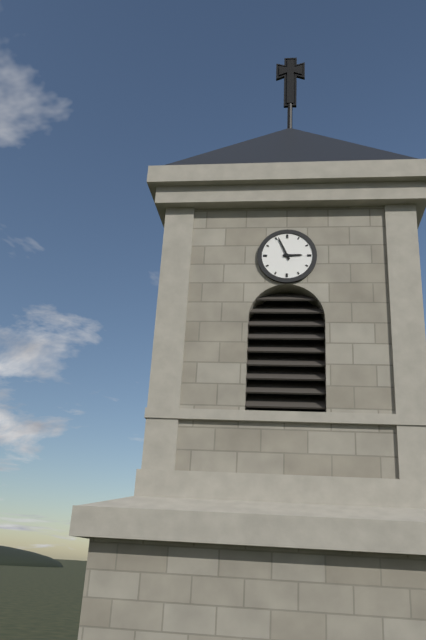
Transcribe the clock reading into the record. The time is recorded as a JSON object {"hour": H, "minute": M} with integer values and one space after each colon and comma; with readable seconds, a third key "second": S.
{"hour": 2, "minute": 56}
